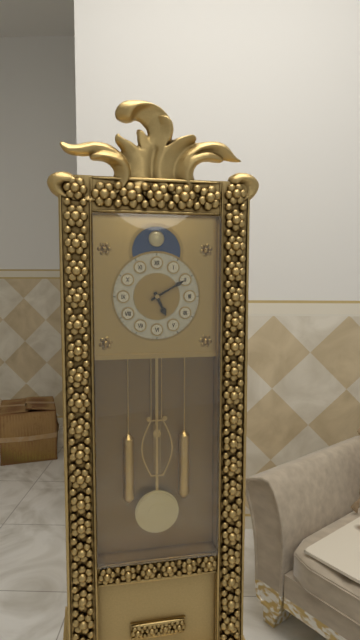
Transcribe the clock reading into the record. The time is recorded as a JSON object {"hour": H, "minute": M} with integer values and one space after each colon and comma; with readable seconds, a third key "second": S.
{"hour": 5, "minute": 10}
